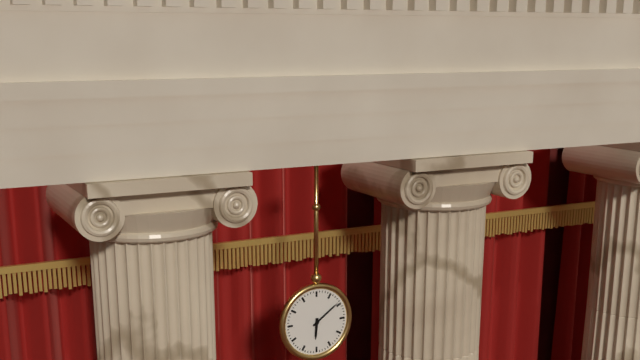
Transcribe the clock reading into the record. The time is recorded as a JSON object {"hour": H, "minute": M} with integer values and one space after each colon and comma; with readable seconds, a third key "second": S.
{"hour": 6, "minute": 9}
